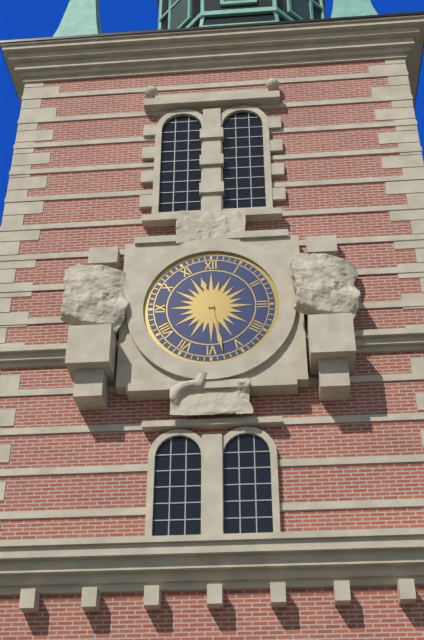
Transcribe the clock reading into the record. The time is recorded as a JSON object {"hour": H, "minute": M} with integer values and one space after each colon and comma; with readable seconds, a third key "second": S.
{"hour": 11, "minute": 28}
